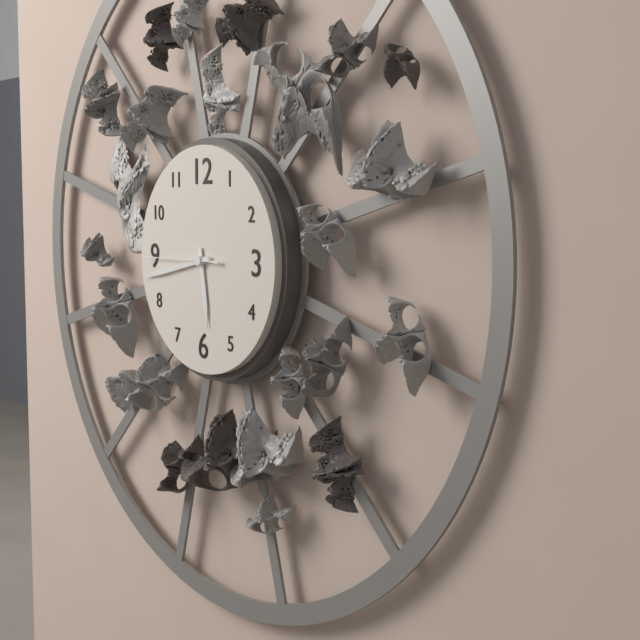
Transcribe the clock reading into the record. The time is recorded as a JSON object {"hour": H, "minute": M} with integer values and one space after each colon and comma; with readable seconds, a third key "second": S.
{"hour": 5, "minute": 43, "second": 45}
